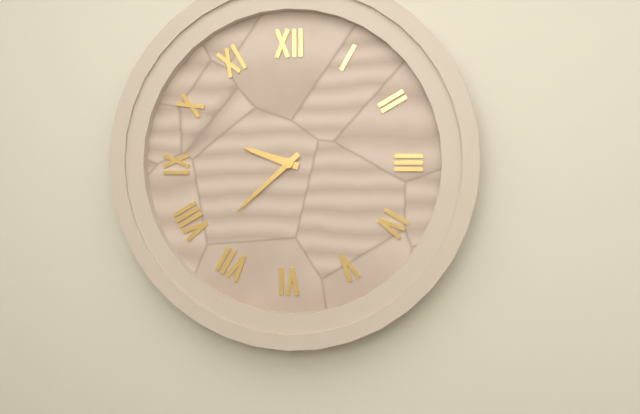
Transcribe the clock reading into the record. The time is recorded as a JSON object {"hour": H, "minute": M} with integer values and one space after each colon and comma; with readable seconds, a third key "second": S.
{"hour": 9, "minute": 38}
